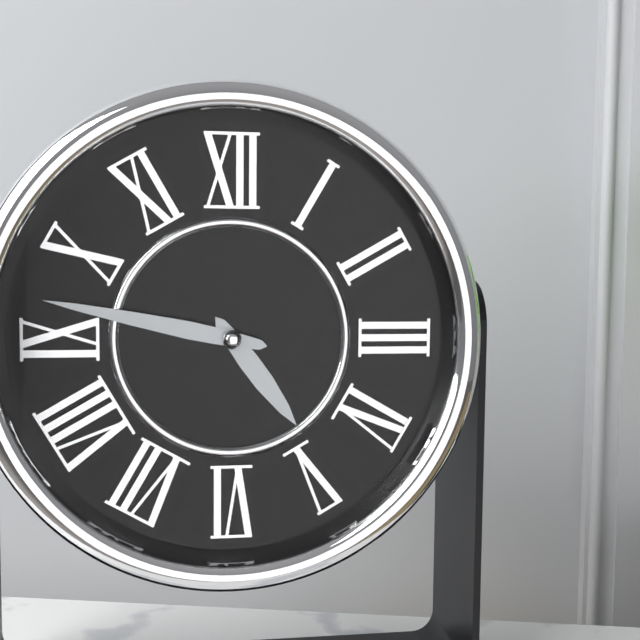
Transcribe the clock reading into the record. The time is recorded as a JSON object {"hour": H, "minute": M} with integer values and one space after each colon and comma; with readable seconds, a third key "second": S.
{"hour": 4, "minute": 47}
